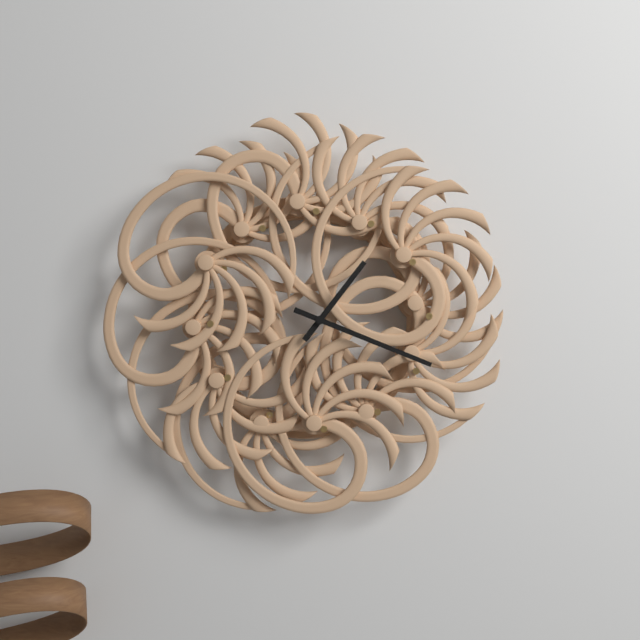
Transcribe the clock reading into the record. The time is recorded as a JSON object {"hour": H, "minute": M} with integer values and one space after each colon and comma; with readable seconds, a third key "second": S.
{"hour": 1, "minute": 19}
